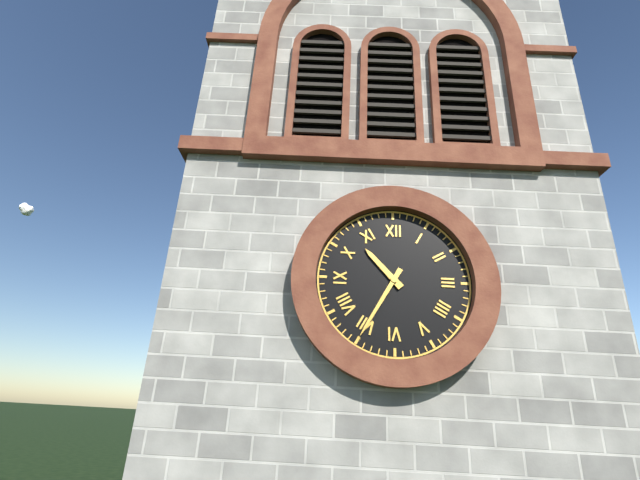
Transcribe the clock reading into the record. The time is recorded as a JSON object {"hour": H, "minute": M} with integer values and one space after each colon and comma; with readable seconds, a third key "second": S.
{"hour": 10, "minute": 35}
